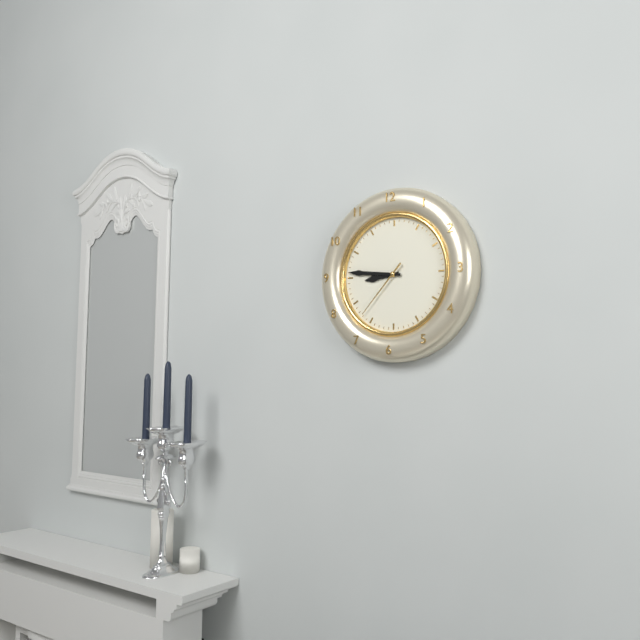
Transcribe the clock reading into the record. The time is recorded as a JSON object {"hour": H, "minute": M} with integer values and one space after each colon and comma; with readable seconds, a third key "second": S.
{"hour": 8, "minute": 46, "second": 37}
